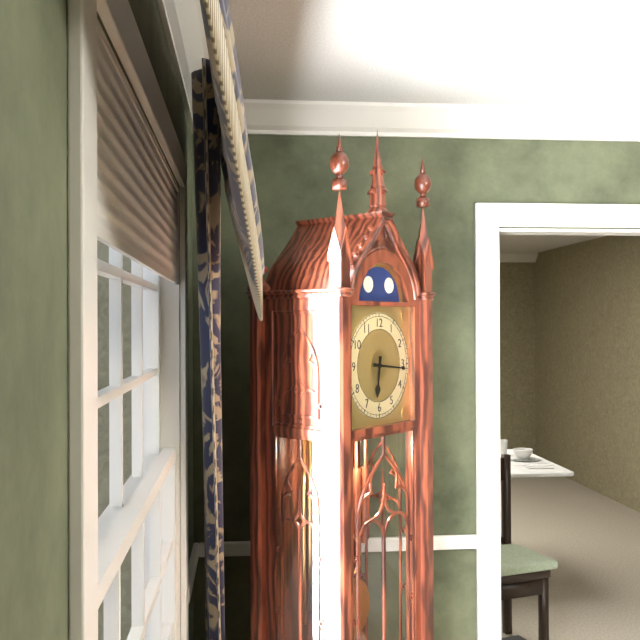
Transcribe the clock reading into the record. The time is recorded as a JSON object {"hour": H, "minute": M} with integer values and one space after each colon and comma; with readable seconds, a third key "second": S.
{"hour": 6, "minute": 16}
